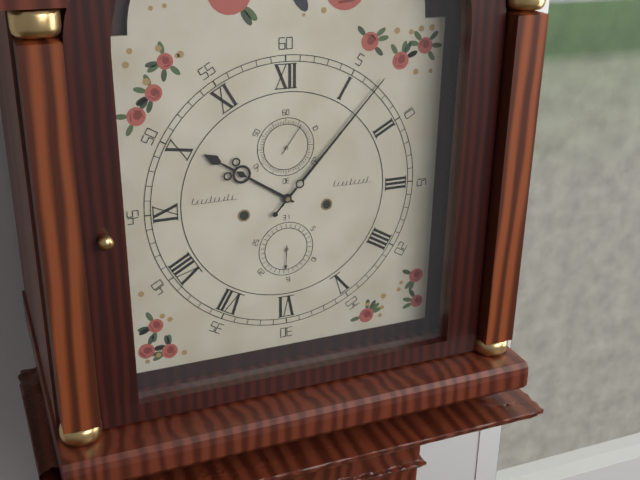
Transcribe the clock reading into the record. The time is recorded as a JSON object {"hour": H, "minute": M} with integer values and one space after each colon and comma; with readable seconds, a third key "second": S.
{"hour": 10, "minute": 7}
